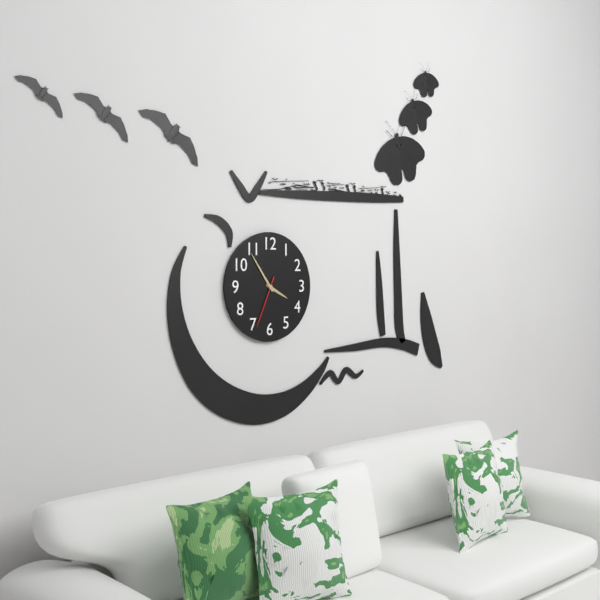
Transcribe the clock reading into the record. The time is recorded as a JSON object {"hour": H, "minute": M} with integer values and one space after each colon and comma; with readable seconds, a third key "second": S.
{"hour": 3, "minute": 54, "second": 34}
